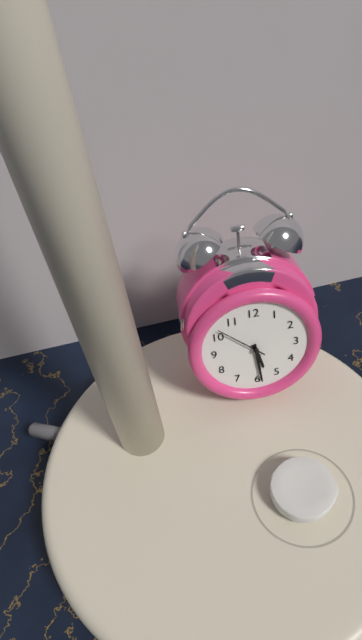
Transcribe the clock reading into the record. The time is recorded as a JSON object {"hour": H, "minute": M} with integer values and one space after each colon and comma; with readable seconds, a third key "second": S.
{"hour": 5, "minute": 29, "second": 52}
